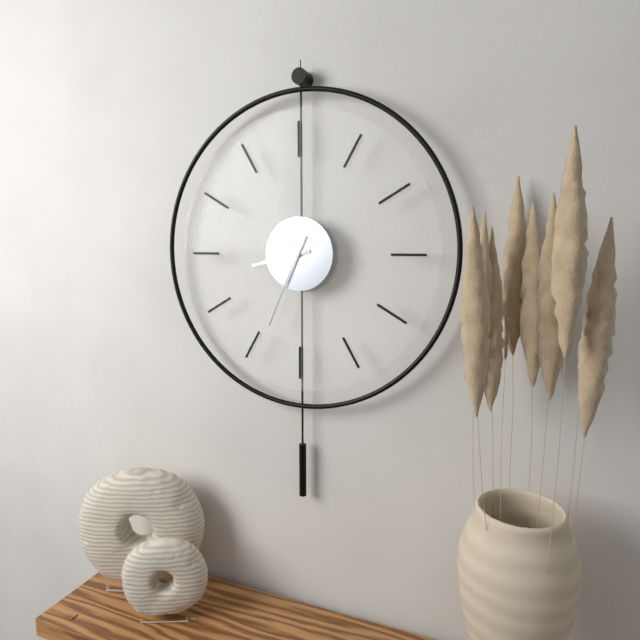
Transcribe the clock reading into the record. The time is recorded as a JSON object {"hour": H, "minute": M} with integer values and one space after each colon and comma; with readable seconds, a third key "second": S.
{"hour": 8, "minute": 34}
